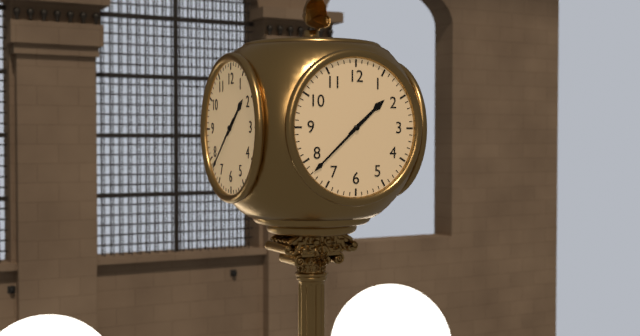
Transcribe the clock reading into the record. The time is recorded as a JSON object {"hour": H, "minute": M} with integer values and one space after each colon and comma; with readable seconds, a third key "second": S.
{"hour": 1, "minute": 38}
